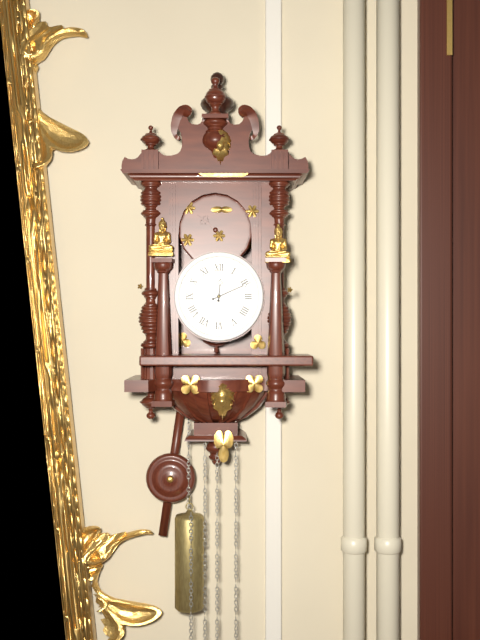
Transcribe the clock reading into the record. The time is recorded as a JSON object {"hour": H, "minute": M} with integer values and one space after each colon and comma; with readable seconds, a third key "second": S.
{"hour": 12, "minute": 11}
